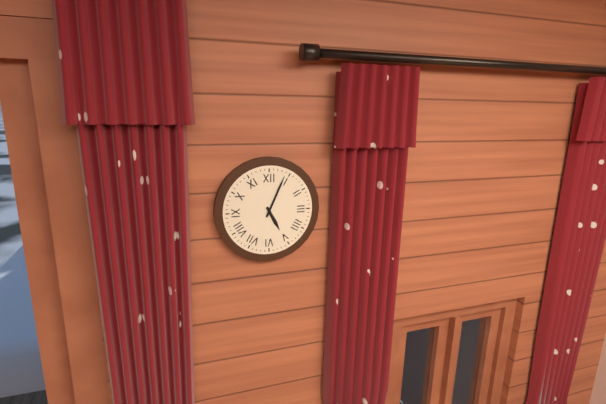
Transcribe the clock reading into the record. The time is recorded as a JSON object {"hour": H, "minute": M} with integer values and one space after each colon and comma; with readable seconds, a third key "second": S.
{"hour": 5, "minute": 4}
